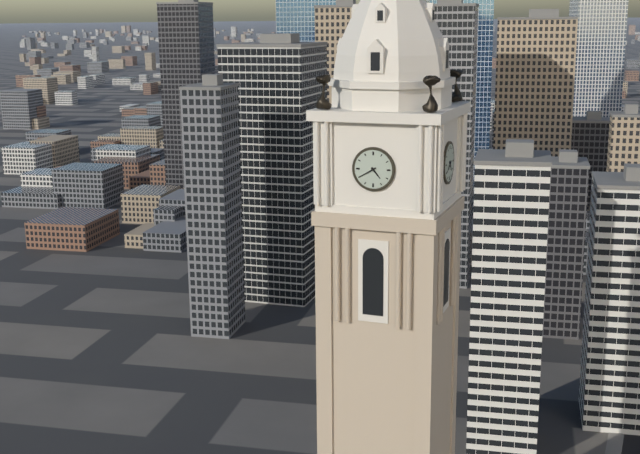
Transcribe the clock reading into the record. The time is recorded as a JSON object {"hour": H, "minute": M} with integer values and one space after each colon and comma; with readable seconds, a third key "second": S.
{"hour": 4, "minute": 40}
